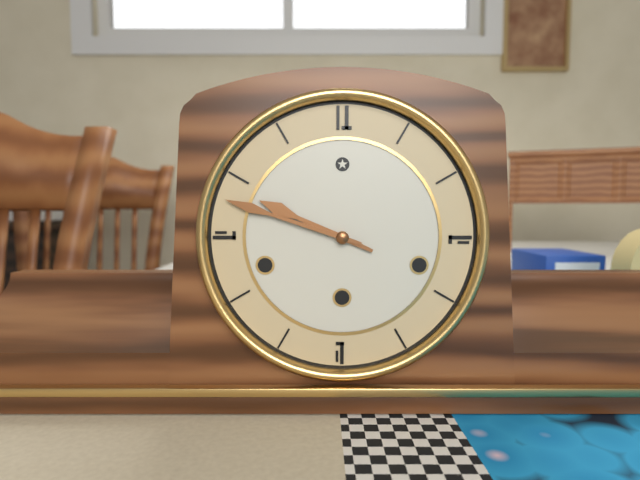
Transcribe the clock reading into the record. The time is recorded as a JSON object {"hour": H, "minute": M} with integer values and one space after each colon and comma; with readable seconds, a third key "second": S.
{"hour": 9, "minute": 48}
